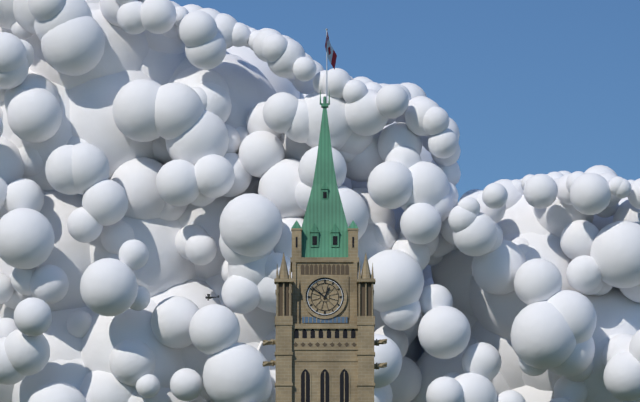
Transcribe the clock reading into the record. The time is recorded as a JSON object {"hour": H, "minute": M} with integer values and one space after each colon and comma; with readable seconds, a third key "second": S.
{"hour": 12, "minute": 51}
